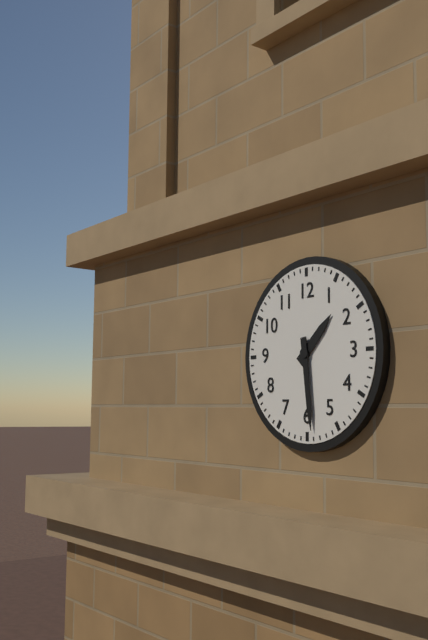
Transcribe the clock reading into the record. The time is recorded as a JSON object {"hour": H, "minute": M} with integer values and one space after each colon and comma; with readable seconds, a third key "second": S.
{"hour": 1, "minute": 29}
